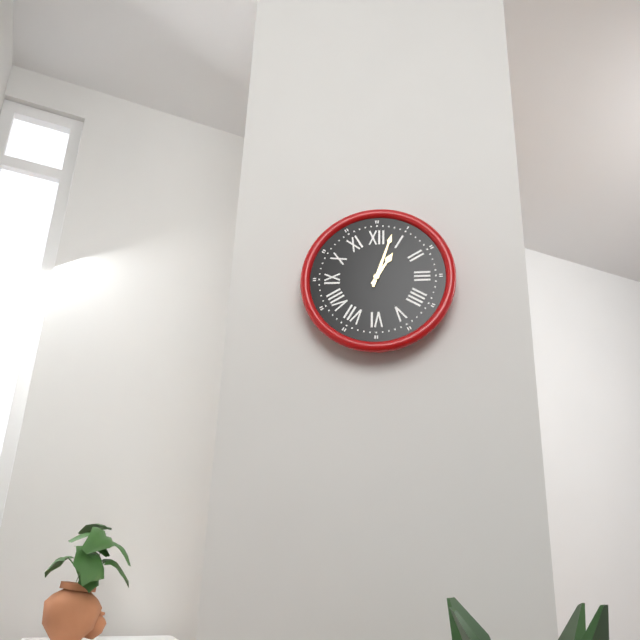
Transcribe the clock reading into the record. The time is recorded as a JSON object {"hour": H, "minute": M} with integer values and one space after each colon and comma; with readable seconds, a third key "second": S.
{"hour": 1, "minute": 3}
